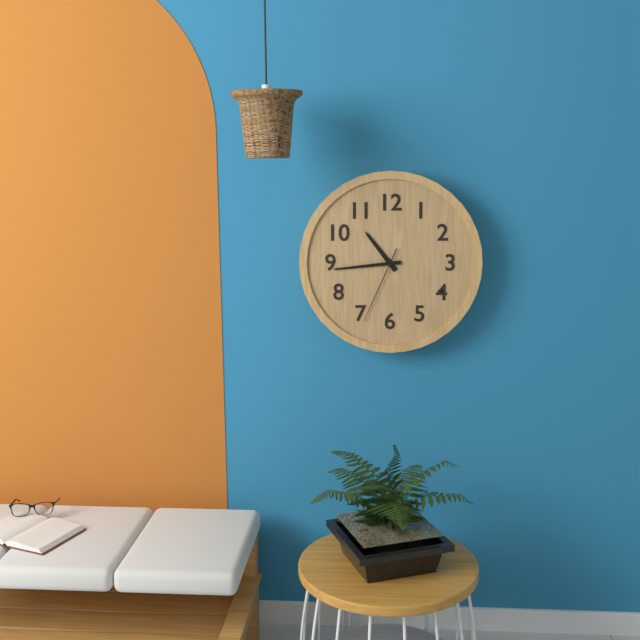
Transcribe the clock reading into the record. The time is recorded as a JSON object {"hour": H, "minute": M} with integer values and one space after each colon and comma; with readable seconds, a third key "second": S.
{"hour": 10, "minute": 44, "second": 34}
